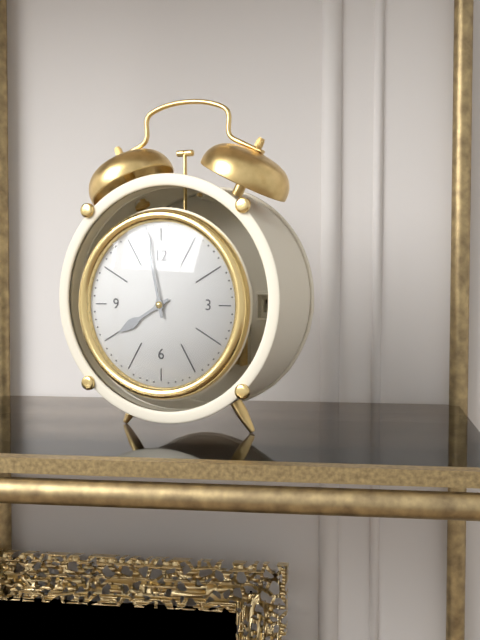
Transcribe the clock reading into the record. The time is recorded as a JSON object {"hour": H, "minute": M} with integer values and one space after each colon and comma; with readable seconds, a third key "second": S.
{"hour": 7, "minute": 58}
